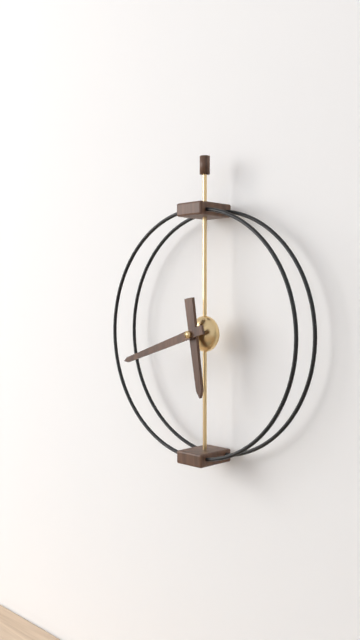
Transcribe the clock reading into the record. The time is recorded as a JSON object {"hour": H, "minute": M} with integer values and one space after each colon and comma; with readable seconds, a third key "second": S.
{"hour": 5, "minute": 42}
